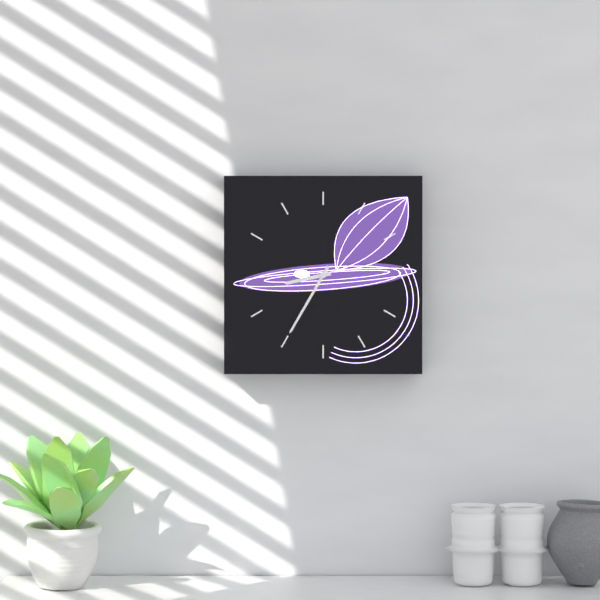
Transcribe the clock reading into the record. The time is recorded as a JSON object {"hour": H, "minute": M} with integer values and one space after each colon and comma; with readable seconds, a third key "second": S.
{"hour": 8, "minute": 35}
